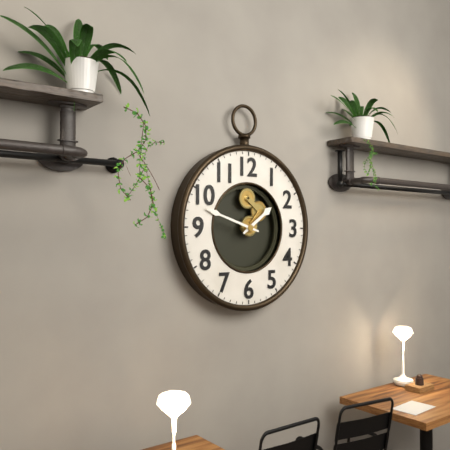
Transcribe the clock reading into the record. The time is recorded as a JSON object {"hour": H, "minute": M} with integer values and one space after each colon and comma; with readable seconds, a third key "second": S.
{"hour": 1, "minute": 48}
